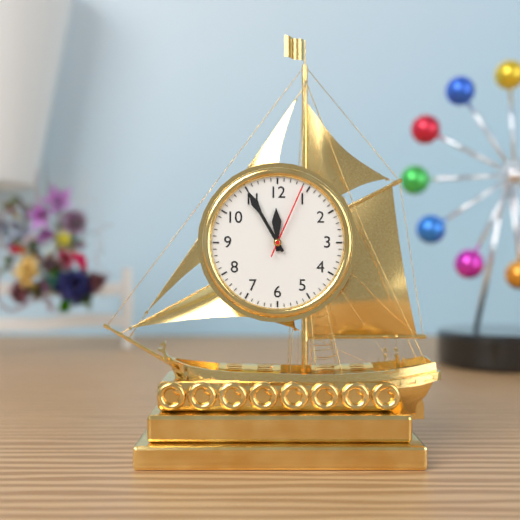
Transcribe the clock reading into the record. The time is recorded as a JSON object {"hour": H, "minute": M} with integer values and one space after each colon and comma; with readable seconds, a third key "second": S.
{"hour": 11, "minute": 55, "second": 4}
